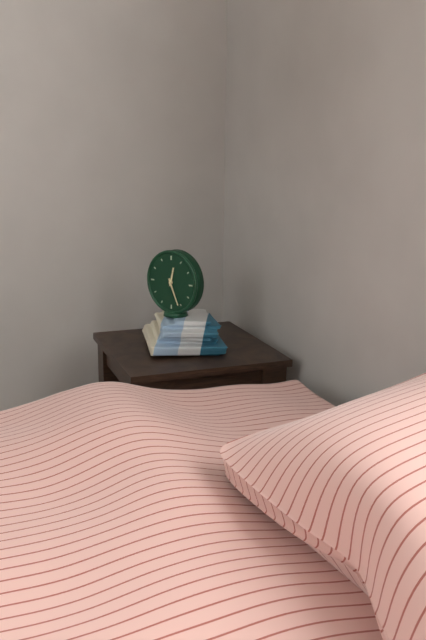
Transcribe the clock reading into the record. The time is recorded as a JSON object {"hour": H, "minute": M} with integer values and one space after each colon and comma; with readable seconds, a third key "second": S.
{"hour": 12, "minute": 26}
